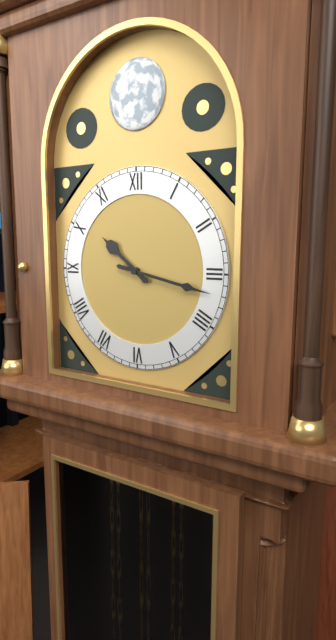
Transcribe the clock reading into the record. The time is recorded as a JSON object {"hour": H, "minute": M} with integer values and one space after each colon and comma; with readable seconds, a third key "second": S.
{"hour": 10, "minute": 17}
